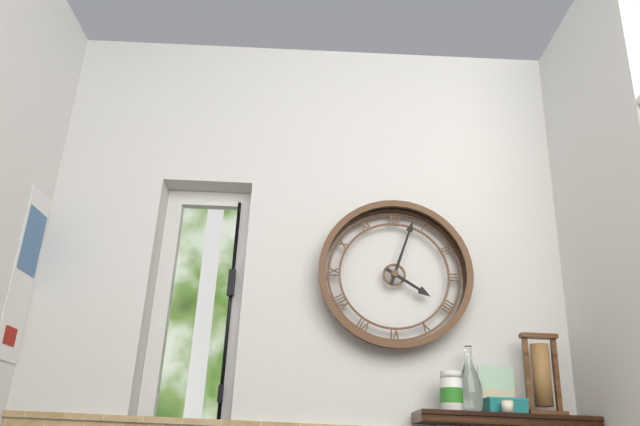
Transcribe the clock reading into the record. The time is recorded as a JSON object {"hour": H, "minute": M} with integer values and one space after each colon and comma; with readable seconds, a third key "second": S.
{"hour": 4, "minute": 3}
